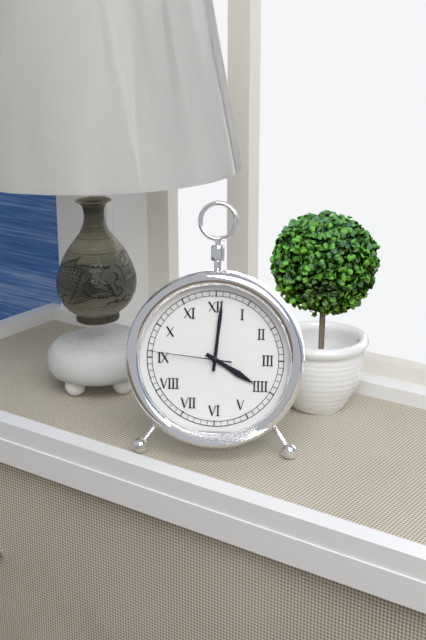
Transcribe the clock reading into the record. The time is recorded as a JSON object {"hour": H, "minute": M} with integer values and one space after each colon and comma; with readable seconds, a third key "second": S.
{"hour": 4, "minute": 1, "second": 46}
